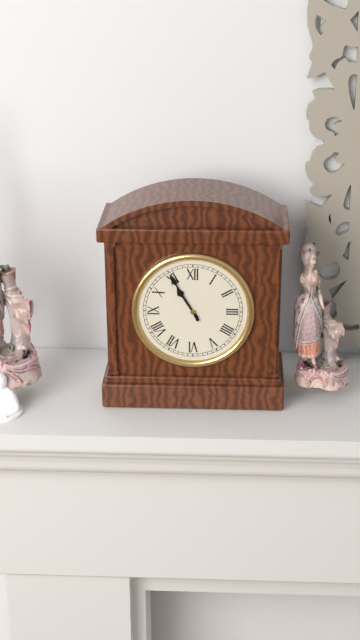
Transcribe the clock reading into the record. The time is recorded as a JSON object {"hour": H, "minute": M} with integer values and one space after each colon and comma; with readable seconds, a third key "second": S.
{"hour": 10, "minute": 55}
